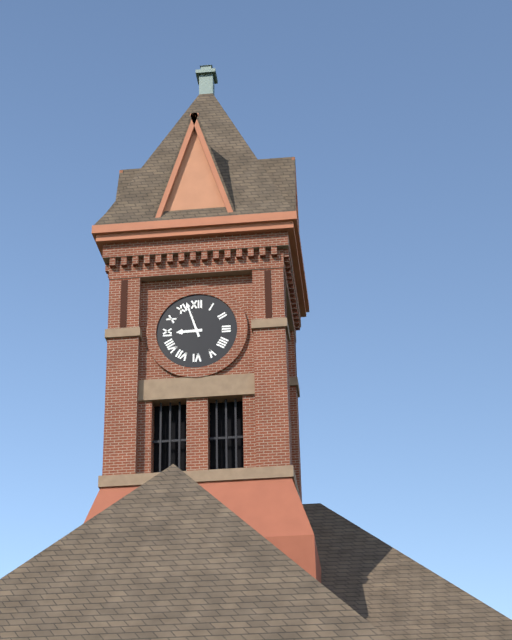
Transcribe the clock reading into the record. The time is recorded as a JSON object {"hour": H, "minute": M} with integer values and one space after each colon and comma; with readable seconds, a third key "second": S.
{"hour": 8, "minute": 57}
